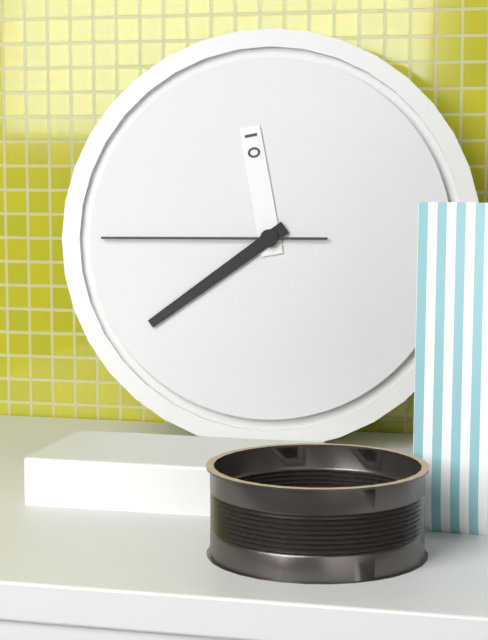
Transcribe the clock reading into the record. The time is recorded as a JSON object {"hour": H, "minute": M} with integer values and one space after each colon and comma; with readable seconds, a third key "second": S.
{"hour": 11, "minute": 39, "second": 45}
